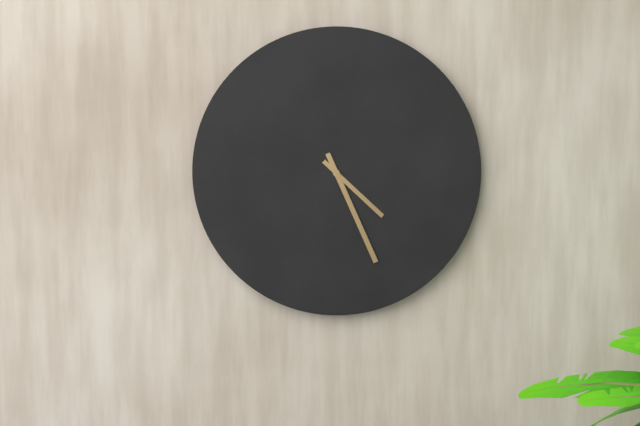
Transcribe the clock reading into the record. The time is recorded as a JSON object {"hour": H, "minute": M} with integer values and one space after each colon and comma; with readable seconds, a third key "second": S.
{"hour": 4, "minute": 26}
